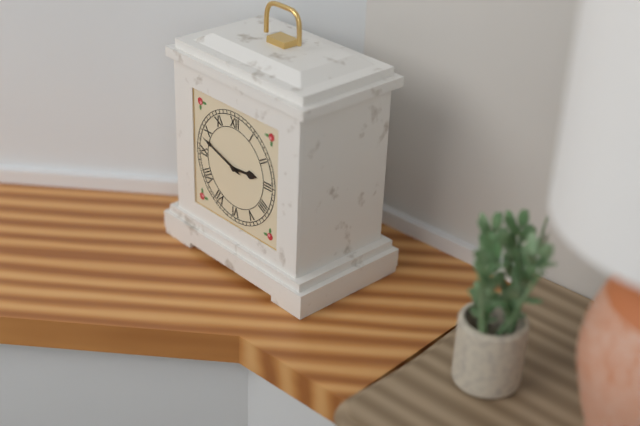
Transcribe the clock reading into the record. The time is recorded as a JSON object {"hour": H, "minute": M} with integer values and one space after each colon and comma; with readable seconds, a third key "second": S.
{"hour": 2, "minute": 48}
